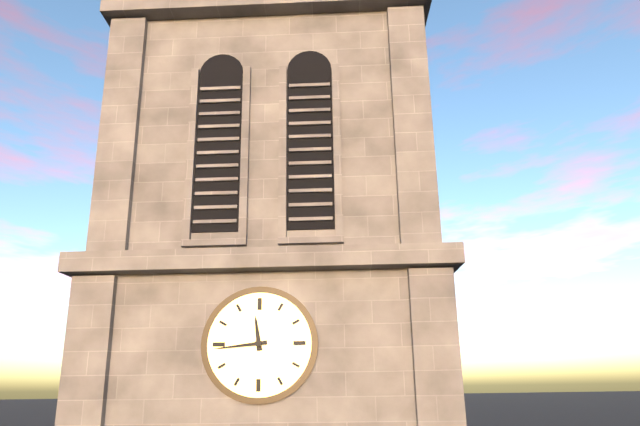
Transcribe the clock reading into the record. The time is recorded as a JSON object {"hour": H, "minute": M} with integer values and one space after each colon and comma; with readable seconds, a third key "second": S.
{"hour": 11, "minute": 44}
